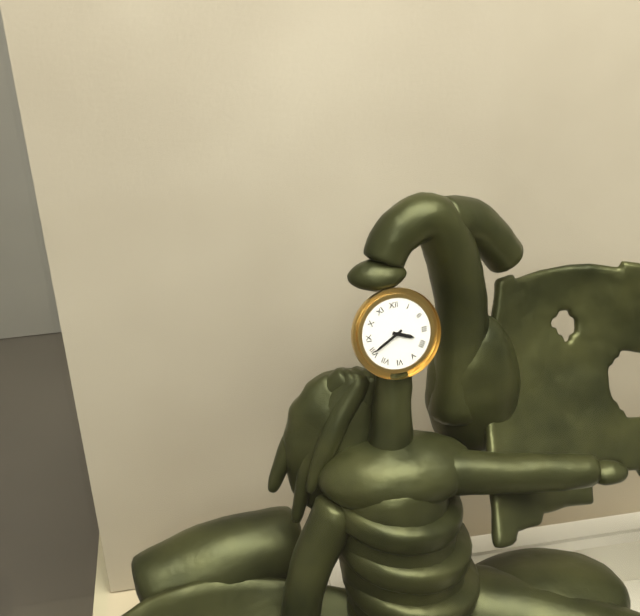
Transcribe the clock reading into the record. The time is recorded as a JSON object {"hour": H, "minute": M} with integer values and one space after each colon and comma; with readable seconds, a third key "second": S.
{"hour": 3, "minute": 40}
